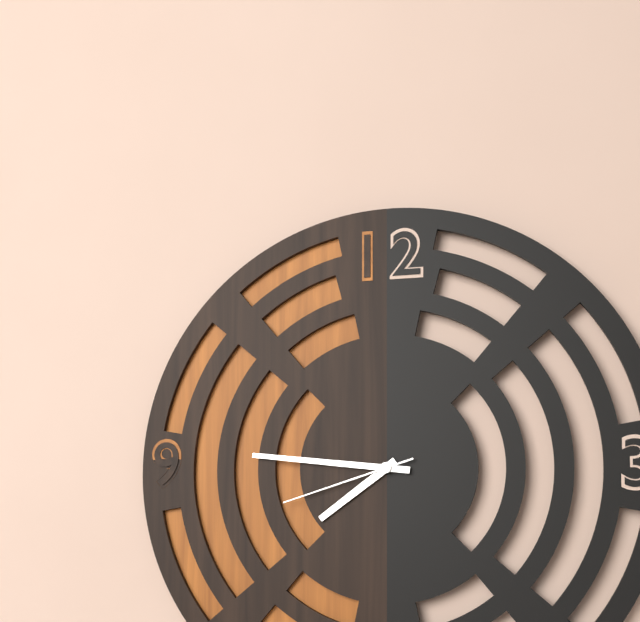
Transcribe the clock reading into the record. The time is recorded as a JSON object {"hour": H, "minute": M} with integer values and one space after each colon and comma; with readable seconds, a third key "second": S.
{"hour": 7, "minute": 46, "second": 42}
